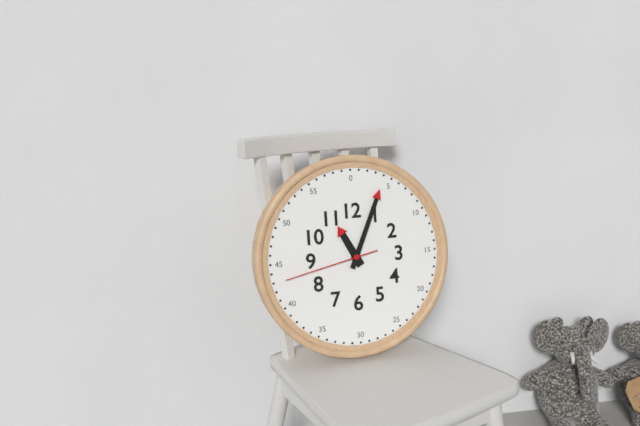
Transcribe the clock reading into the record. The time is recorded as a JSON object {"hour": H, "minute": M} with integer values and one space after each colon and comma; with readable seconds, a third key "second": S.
{"hour": 11, "minute": 4, "second": 43}
